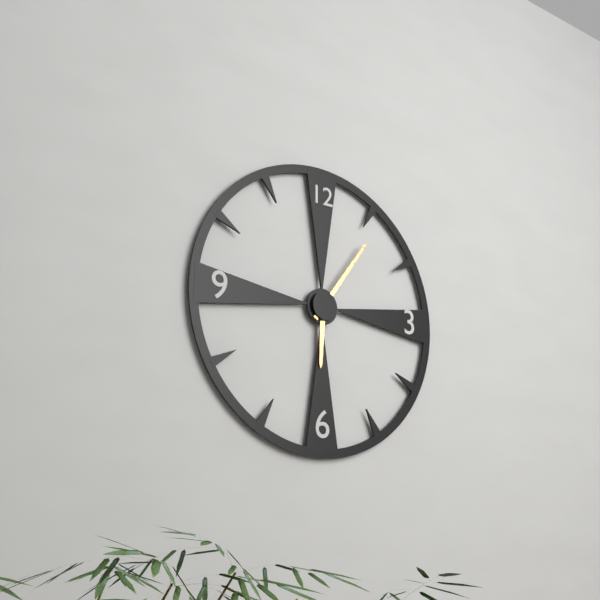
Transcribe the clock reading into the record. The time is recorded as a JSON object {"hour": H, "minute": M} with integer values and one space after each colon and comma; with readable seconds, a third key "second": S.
{"hour": 6, "minute": 6}
